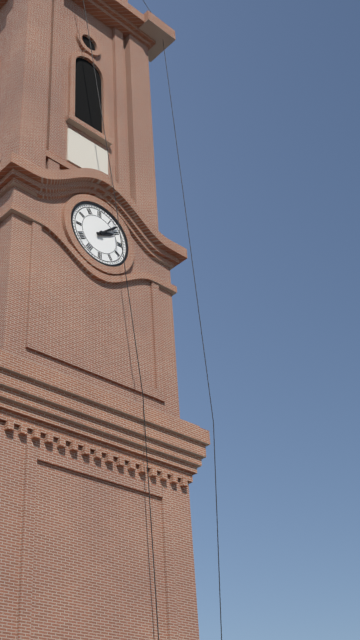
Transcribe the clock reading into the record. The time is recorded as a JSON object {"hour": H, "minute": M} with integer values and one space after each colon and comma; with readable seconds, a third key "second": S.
{"hour": 2, "minute": 8}
